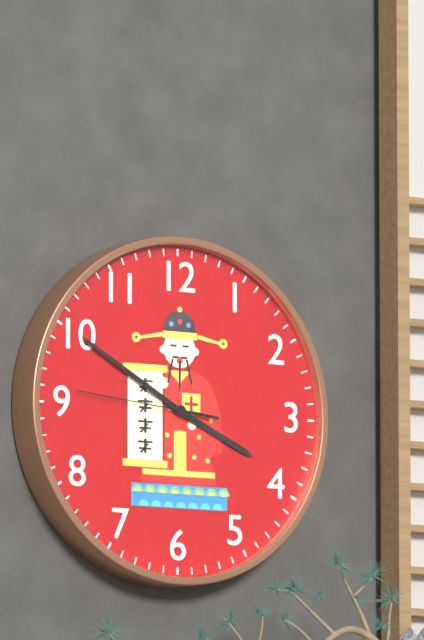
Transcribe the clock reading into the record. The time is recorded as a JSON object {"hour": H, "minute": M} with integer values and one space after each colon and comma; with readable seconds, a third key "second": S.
{"hour": 3, "minute": 50, "second": 46}
